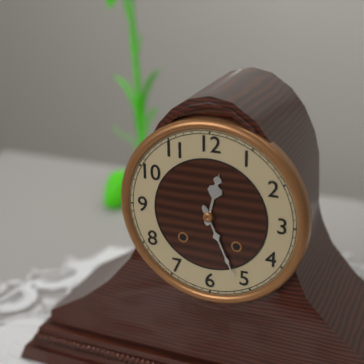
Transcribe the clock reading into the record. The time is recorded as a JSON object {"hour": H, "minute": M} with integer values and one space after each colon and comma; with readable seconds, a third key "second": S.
{"hour": 12, "minute": 26}
